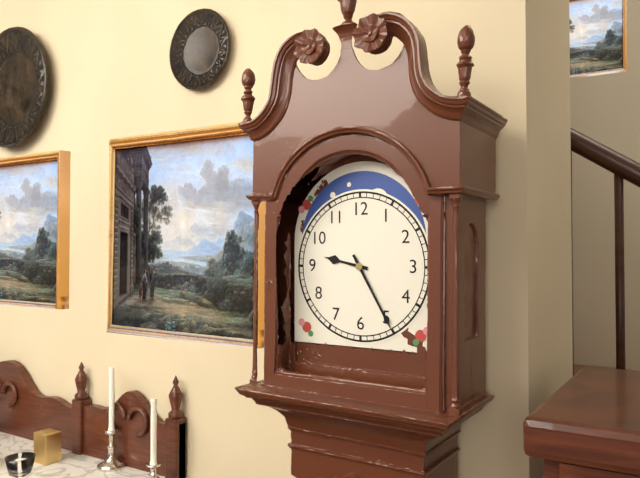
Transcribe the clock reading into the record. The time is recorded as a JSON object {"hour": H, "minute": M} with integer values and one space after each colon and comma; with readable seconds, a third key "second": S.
{"hour": 9, "minute": 25}
